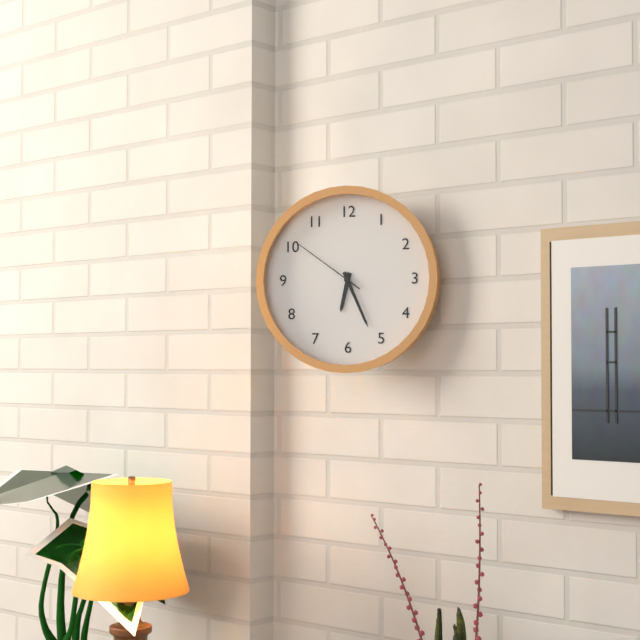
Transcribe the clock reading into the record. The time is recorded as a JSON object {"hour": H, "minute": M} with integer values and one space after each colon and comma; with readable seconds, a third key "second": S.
{"hour": 6, "minute": 26, "second": 51}
